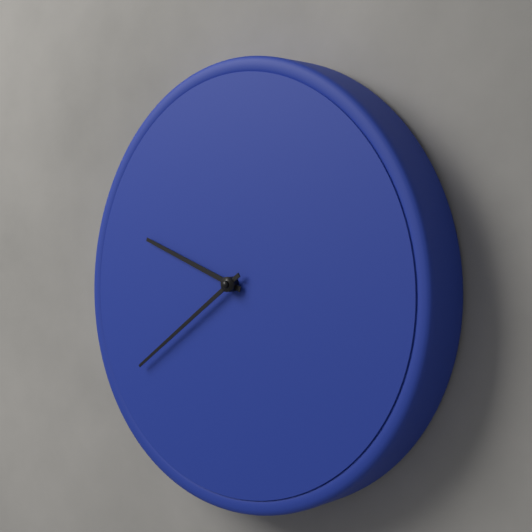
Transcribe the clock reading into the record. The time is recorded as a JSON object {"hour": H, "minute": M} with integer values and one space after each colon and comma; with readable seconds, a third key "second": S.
{"hour": 9, "minute": 39}
